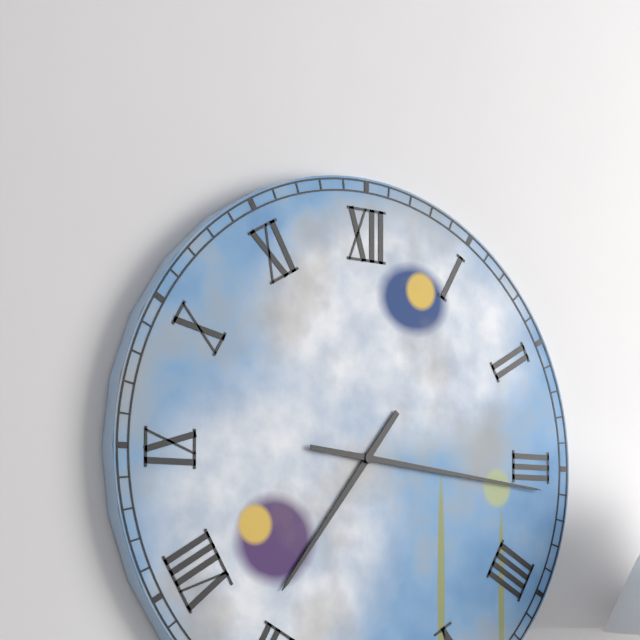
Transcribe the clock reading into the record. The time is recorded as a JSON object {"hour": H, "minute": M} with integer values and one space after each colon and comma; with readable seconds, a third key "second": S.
{"hour": 7, "minute": 16}
